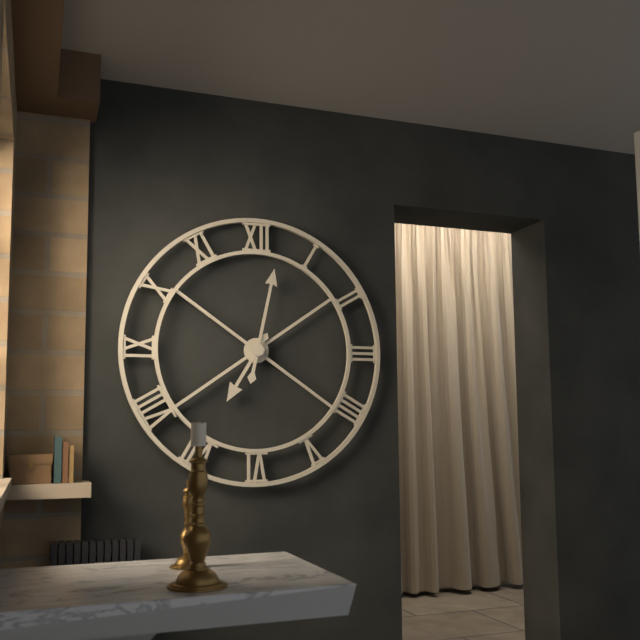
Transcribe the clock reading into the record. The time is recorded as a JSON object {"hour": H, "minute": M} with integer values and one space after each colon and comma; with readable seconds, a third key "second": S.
{"hour": 7, "minute": 2}
